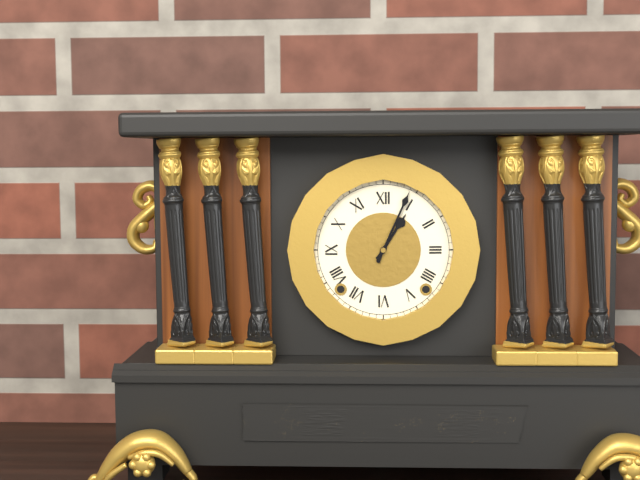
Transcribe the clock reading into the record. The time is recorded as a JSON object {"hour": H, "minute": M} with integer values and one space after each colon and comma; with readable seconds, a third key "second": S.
{"hour": 1, "minute": 4}
